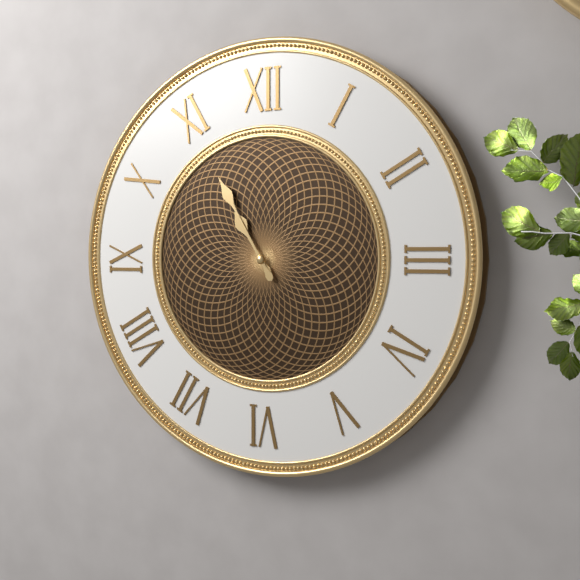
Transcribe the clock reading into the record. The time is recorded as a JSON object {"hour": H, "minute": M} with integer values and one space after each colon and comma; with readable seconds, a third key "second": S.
{"hour": 10, "minute": 55}
